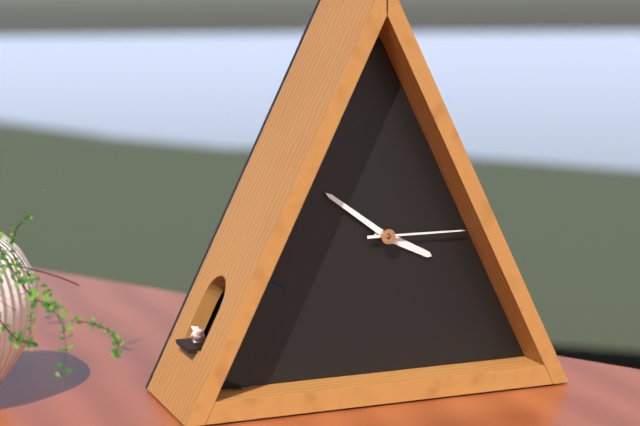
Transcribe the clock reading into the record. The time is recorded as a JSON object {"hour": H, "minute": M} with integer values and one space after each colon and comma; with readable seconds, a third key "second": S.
{"hour": 3, "minute": 51, "second": 15}
